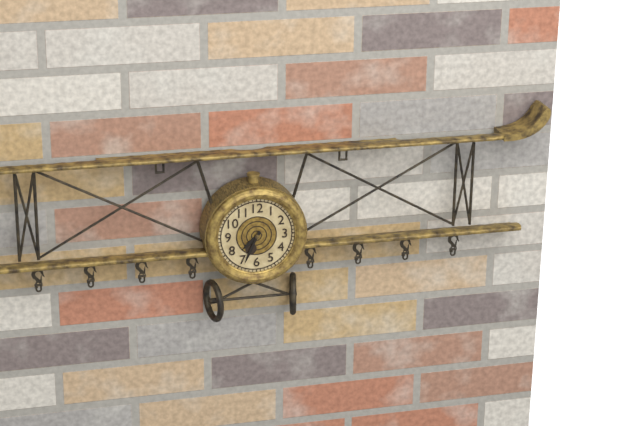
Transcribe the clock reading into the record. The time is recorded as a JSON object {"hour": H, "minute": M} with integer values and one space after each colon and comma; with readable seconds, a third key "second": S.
{"hour": 7, "minute": 34}
